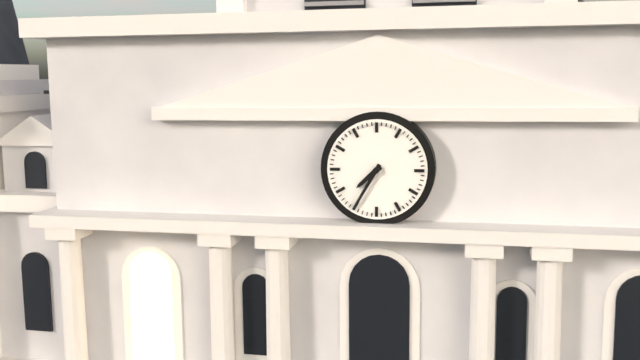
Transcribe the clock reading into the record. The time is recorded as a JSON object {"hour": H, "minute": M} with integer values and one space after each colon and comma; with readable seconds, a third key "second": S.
{"hour": 7, "minute": 35}
